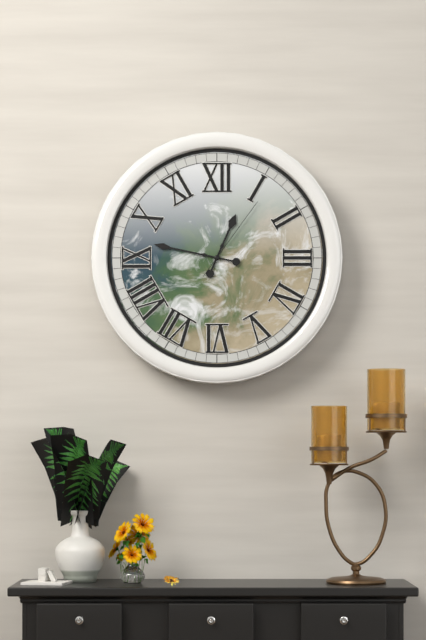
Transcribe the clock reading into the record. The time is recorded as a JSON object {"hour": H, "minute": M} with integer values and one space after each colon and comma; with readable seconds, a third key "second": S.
{"hour": 12, "minute": 47, "second": 6}
